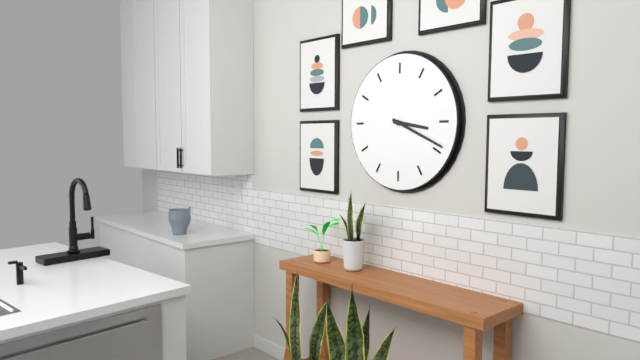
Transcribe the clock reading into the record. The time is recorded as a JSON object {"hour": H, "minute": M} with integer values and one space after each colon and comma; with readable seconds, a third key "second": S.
{"hour": 3, "minute": 19}
